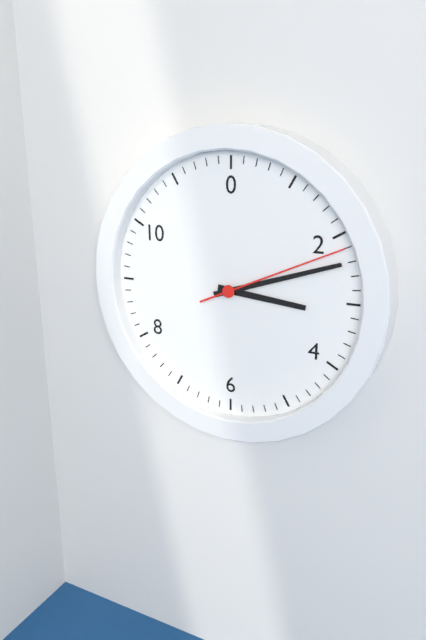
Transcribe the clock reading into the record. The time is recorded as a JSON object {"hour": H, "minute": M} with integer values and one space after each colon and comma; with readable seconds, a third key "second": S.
{"hour": 3, "minute": 12, "second": 11}
